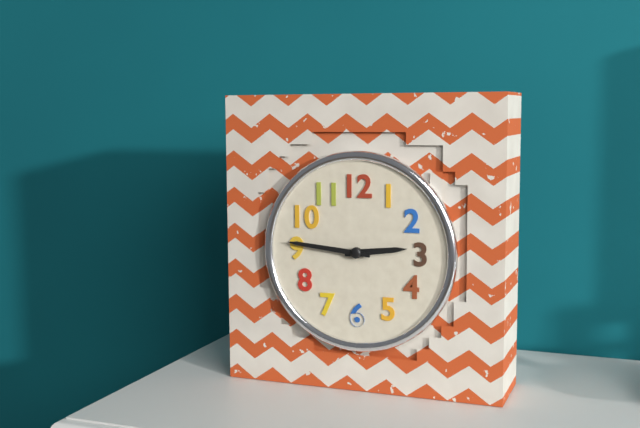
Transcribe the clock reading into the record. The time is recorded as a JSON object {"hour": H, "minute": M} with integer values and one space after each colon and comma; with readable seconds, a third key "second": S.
{"hour": 2, "minute": 46}
